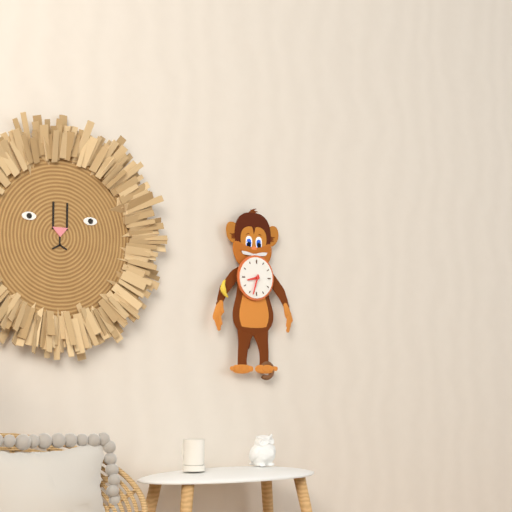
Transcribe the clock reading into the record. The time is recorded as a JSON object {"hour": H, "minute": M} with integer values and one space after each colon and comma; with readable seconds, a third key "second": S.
{"hour": 8, "minute": 33}
